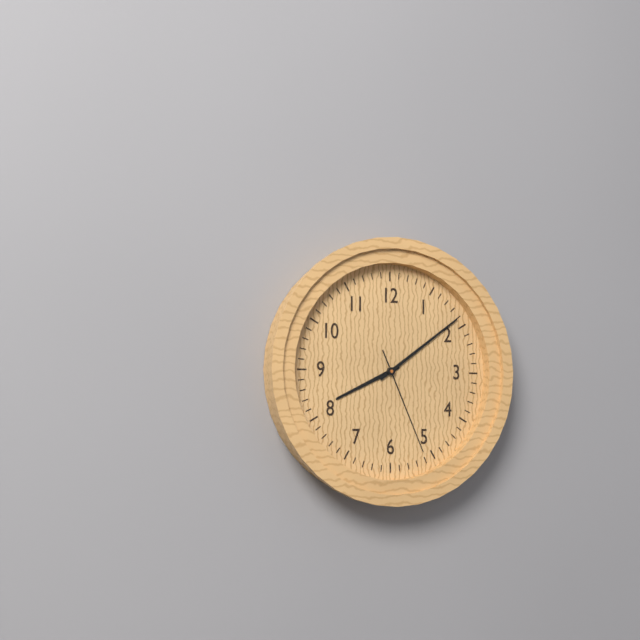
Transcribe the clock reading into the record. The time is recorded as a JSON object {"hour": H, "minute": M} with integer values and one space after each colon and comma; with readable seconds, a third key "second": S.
{"hour": 8, "minute": 9, "second": 26}
